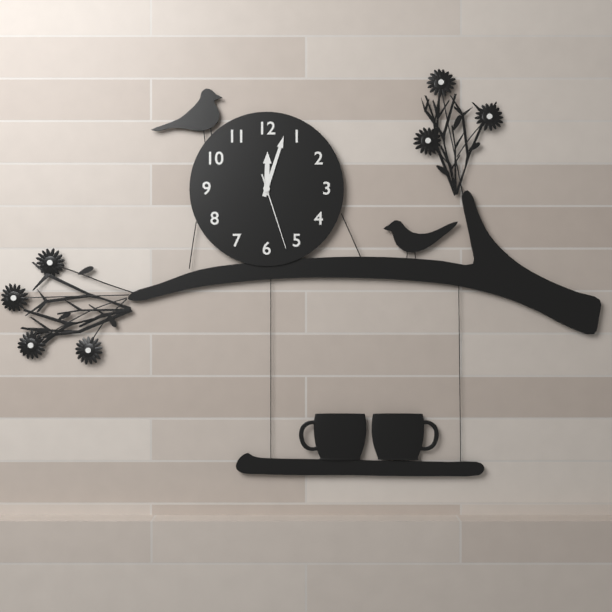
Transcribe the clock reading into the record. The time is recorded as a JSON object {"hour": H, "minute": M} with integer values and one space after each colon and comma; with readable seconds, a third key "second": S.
{"hour": 12, "minute": 3, "second": 27}
